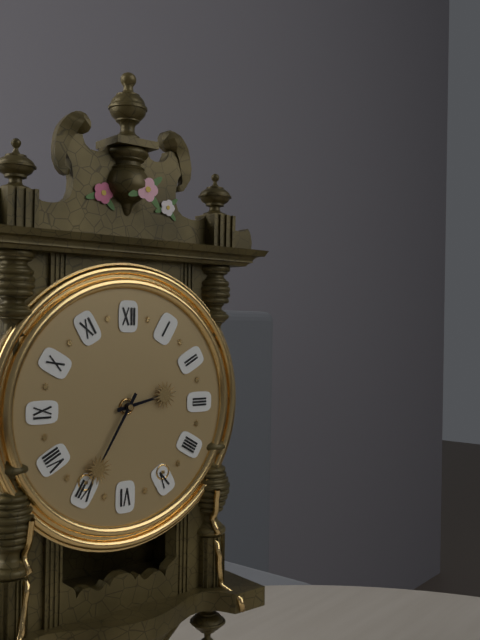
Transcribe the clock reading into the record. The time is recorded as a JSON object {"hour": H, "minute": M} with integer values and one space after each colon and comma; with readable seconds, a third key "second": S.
{"hour": 2, "minute": 35}
